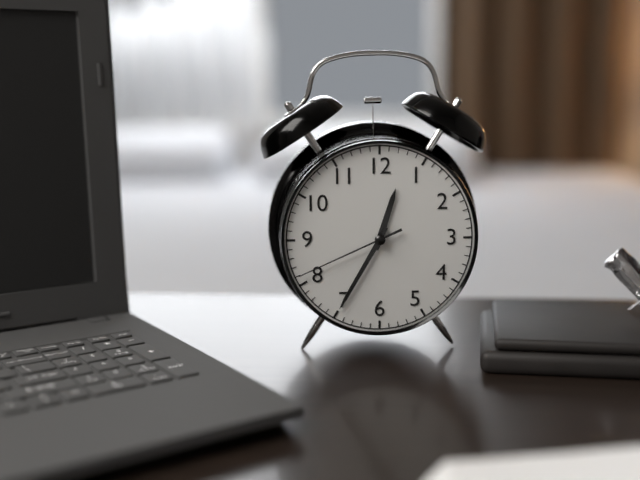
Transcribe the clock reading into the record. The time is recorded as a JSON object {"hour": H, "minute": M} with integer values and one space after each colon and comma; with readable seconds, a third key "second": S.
{"hour": 12, "minute": 35, "second": 41}
